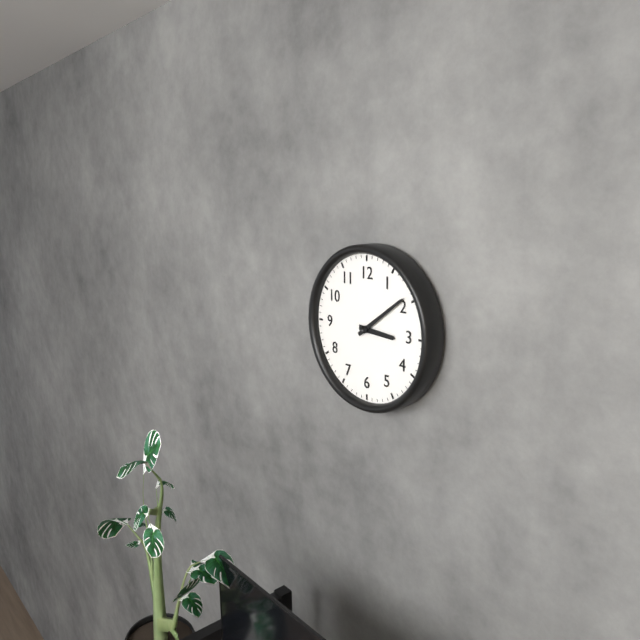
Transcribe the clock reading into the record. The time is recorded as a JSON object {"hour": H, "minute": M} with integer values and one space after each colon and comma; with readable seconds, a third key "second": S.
{"hour": 3, "minute": 9}
